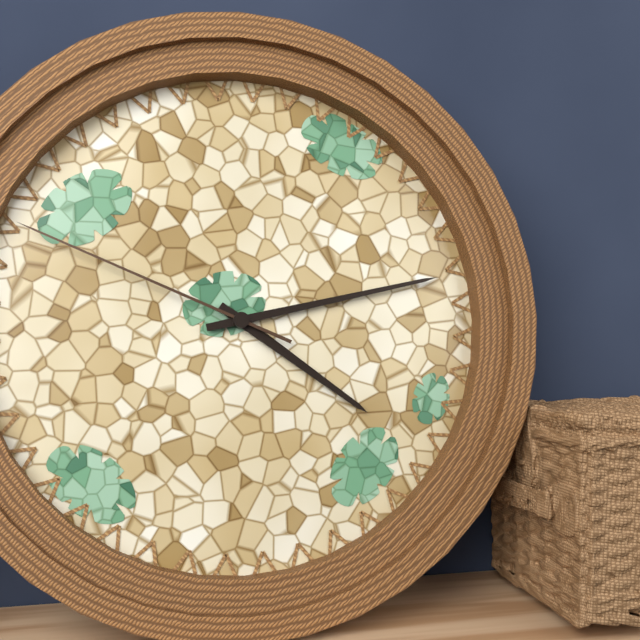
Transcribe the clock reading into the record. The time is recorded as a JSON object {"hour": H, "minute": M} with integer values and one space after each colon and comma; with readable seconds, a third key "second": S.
{"hour": 4, "minute": 13, "second": 49}
